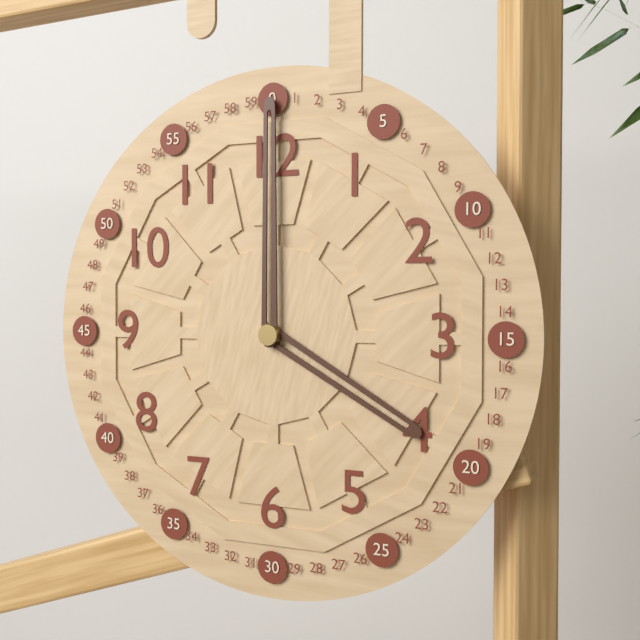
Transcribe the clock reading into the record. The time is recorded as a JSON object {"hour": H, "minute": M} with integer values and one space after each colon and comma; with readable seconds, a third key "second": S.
{"hour": 4, "minute": 0}
